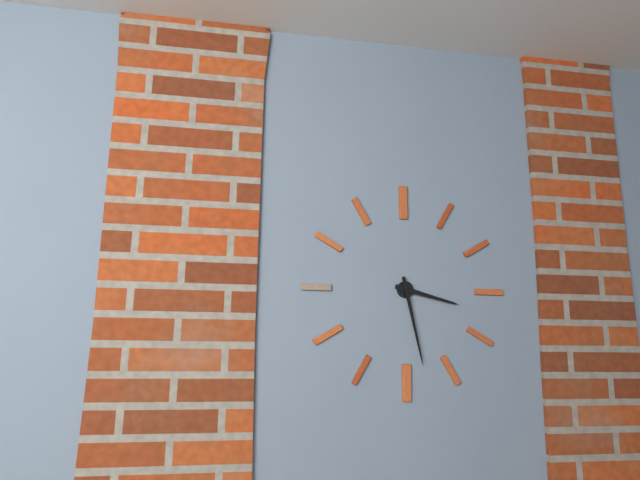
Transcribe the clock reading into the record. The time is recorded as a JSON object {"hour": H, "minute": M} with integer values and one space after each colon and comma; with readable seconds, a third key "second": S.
{"hour": 3, "minute": 28}
